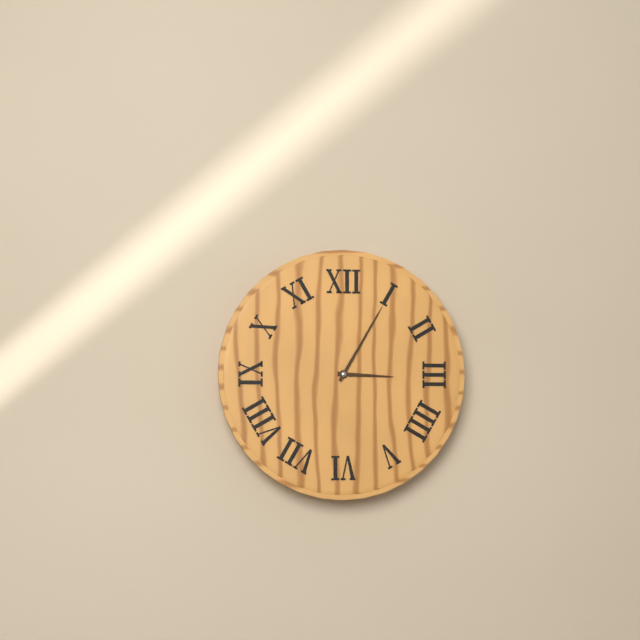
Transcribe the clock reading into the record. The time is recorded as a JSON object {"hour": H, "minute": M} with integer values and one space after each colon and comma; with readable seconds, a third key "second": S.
{"hour": 3, "minute": 5}
